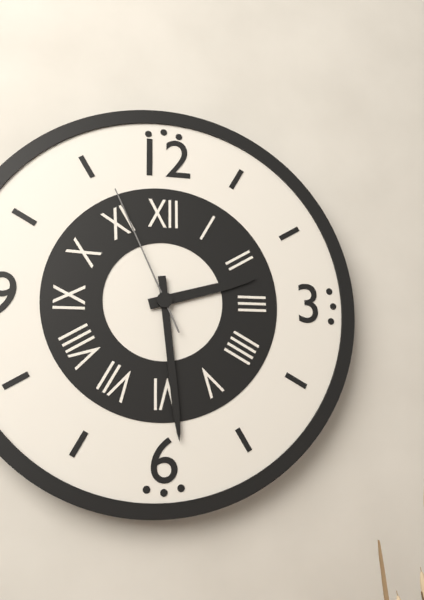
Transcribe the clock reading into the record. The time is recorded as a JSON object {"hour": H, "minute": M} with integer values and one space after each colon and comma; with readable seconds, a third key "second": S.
{"hour": 2, "minute": 29, "second": 56}
